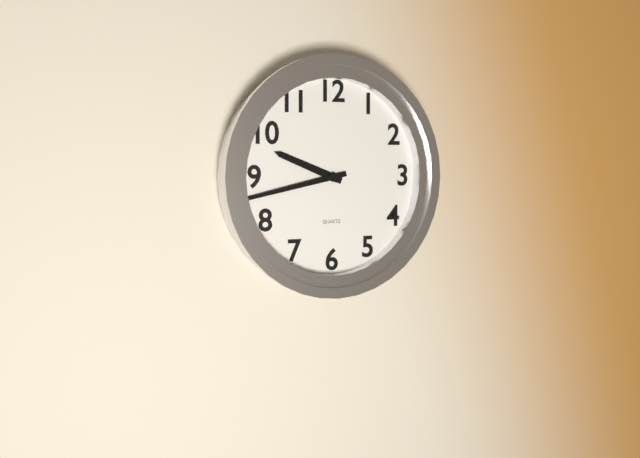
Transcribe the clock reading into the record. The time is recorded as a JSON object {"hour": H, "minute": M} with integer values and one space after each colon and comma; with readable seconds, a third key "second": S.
{"hour": 9, "minute": 43}
